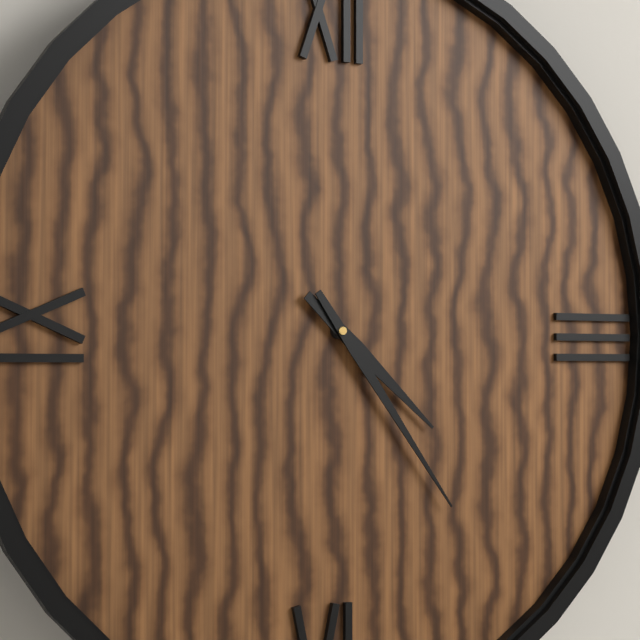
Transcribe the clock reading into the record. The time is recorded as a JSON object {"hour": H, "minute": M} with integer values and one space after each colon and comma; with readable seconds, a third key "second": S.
{"hour": 4, "minute": 24}
